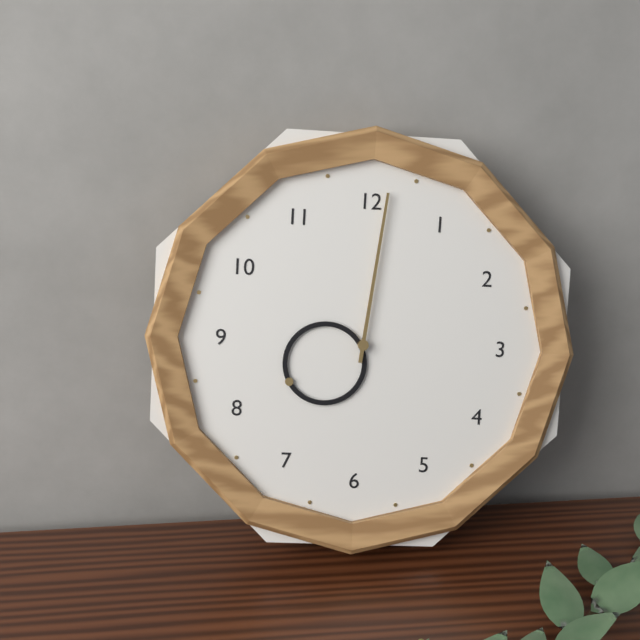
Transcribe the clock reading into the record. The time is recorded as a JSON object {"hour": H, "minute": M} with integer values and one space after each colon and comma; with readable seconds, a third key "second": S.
{"hour": 8, "minute": 1}
